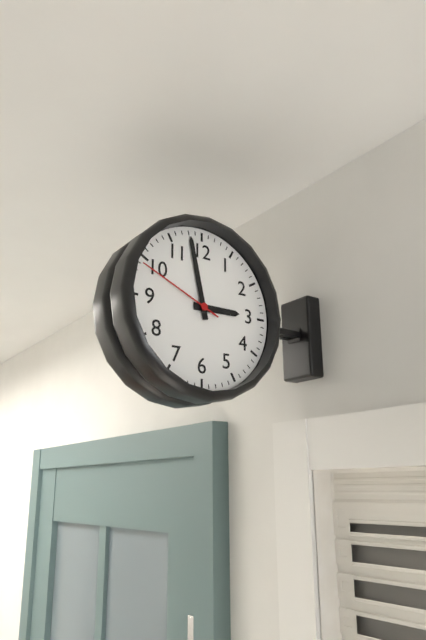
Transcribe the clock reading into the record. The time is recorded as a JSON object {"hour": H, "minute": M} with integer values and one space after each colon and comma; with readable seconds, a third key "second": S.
{"hour": 2, "minute": 58, "second": 49}
